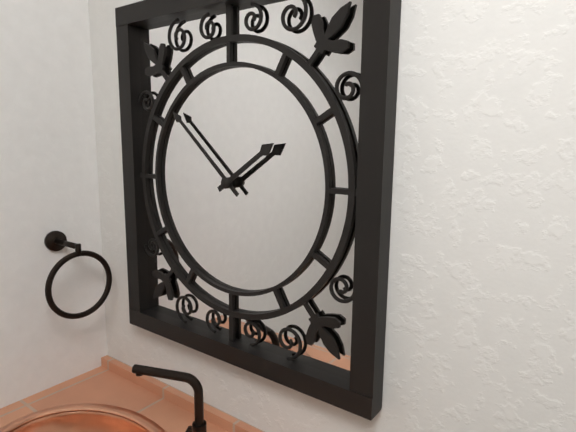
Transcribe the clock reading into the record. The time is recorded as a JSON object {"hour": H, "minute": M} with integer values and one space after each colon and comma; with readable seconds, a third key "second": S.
{"hour": 1, "minute": 52}
